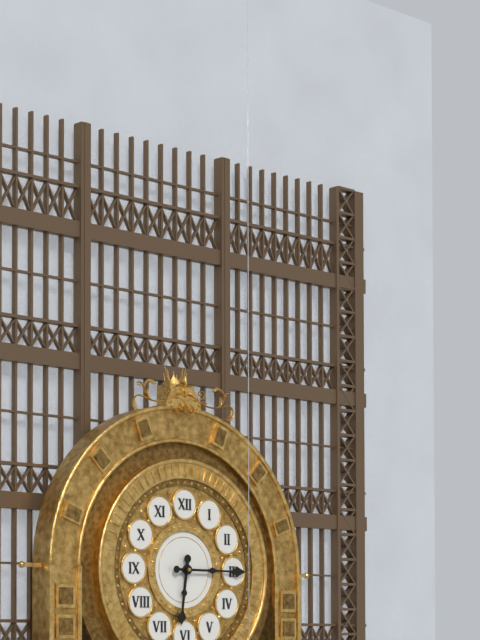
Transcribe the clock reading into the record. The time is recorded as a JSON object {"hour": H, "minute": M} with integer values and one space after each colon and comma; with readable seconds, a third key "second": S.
{"hour": 6, "minute": 15}
